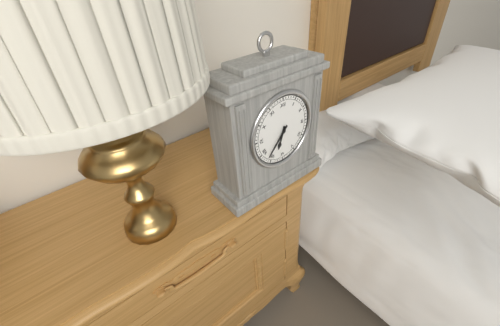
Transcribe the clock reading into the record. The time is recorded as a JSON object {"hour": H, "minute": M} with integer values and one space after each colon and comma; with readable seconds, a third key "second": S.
{"hour": 6, "minute": 37}
